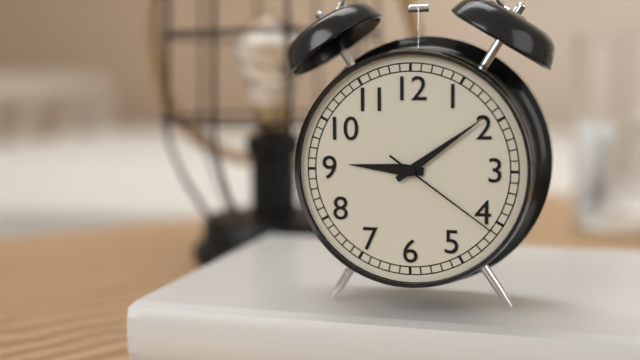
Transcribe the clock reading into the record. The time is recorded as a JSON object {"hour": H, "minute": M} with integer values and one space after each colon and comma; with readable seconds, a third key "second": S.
{"hour": 9, "minute": 9, "second": 21}
